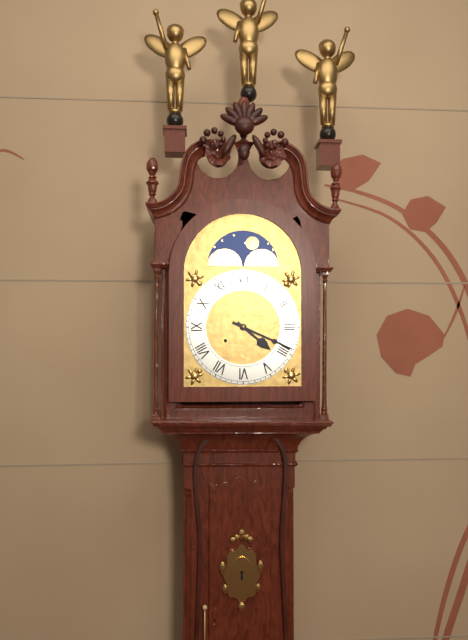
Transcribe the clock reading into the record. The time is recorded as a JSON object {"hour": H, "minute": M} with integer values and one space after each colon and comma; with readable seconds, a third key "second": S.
{"hour": 4, "minute": 19}
